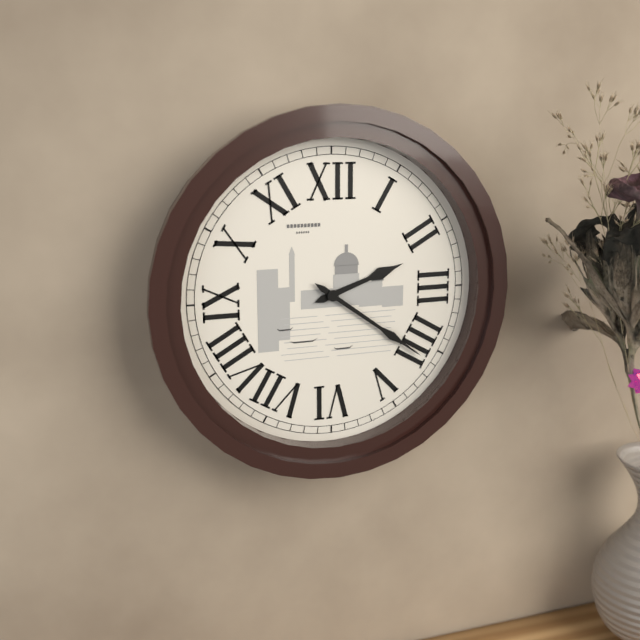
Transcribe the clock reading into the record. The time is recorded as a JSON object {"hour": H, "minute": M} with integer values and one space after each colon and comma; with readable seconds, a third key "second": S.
{"hour": 2, "minute": 21}
